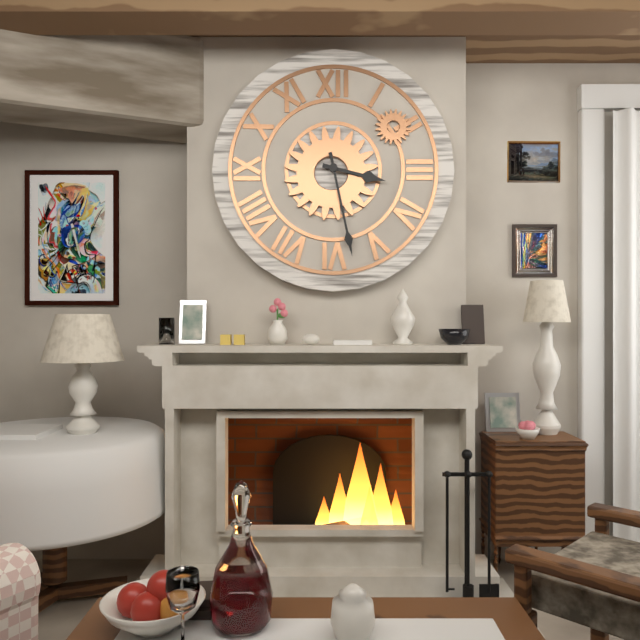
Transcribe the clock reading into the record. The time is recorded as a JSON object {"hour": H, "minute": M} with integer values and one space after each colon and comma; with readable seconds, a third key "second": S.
{"hour": 3, "minute": 28}
